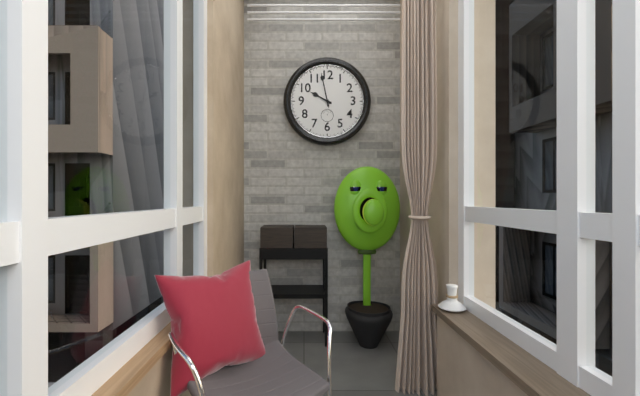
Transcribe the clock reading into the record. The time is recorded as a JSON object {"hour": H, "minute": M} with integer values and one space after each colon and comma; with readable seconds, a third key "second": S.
{"hour": 9, "minute": 58}
